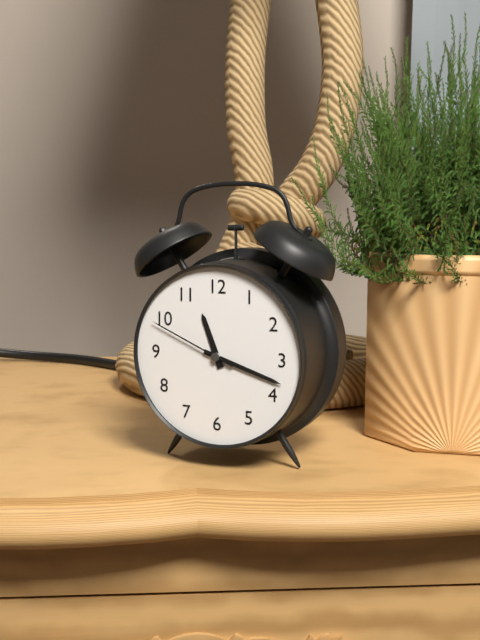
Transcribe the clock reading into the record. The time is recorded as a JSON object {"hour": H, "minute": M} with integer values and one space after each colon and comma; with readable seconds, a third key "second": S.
{"hour": 11, "minute": 18, "second": 49}
